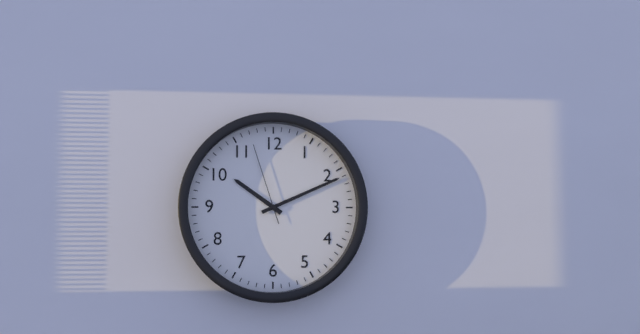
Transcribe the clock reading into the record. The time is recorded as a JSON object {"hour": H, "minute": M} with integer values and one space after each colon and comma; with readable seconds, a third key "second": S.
{"hour": 10, "minute": 11, "second": 57}
